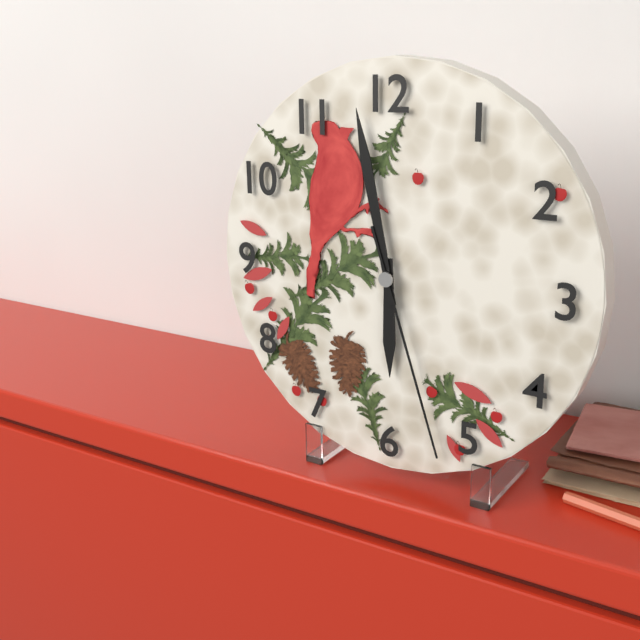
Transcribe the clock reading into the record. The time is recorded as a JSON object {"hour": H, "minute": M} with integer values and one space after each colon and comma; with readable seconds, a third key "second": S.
{"hour": 5, "minute": 58, "second": 27}
